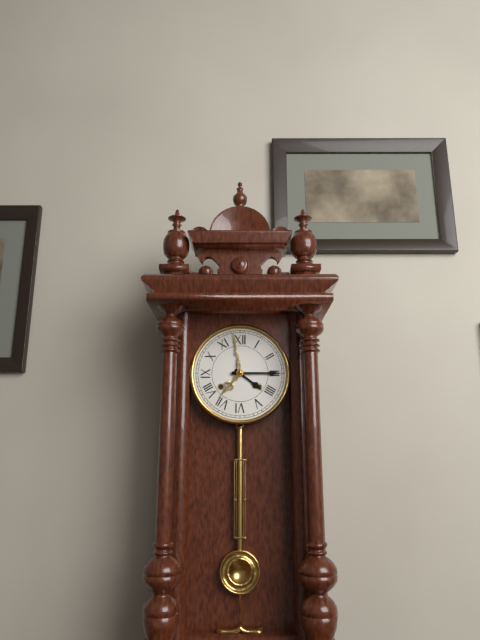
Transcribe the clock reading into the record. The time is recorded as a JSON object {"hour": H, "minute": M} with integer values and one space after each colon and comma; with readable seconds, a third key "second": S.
{"hour": 4, "minute": 15}
